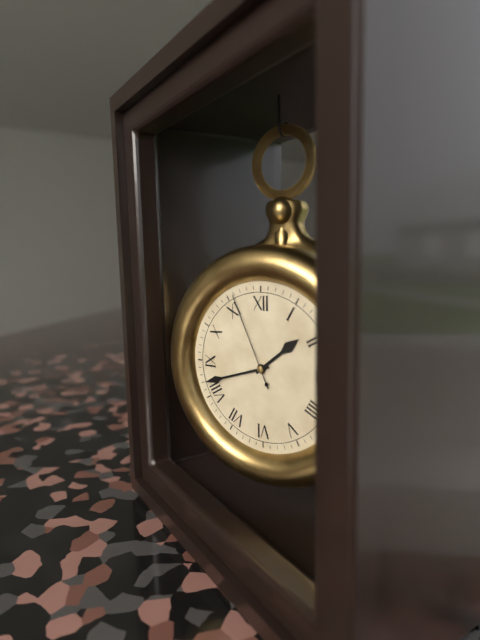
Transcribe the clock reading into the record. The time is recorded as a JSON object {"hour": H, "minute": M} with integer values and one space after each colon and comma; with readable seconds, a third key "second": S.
{"hour": 1, "minute": 42, "second": 56}
